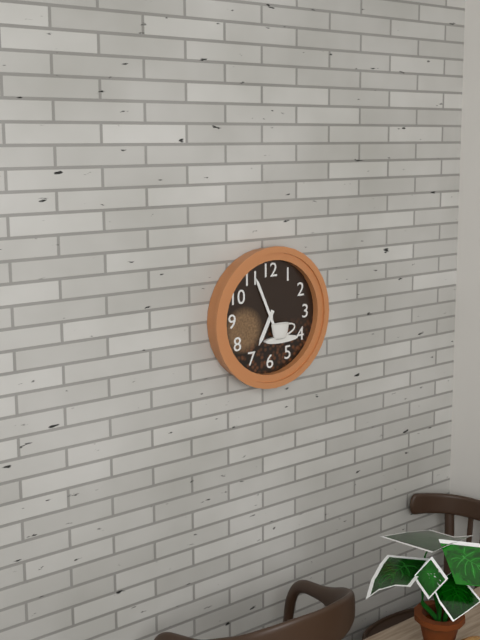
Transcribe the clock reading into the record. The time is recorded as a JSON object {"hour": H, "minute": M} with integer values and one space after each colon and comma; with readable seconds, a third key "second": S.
{"hour": 6, "minute": 56}
